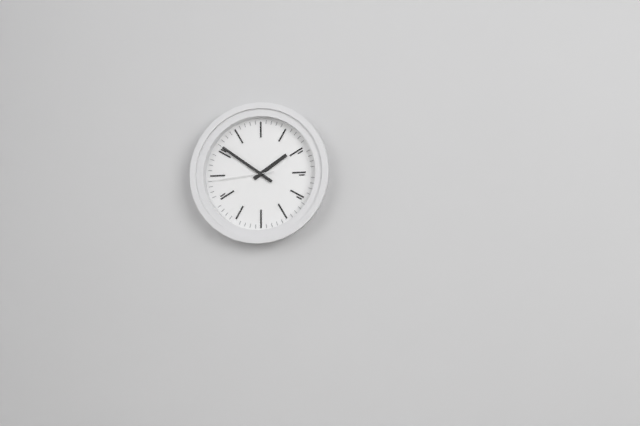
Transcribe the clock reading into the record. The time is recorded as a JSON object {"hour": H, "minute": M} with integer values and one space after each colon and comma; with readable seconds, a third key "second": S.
{"hour": 1, "minute": 51, "second": 44}
